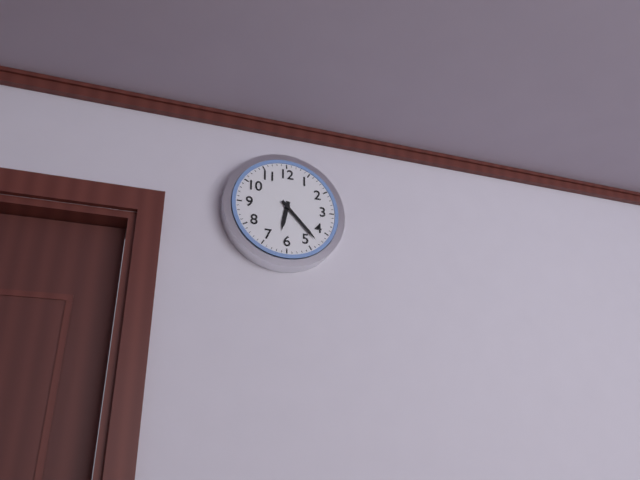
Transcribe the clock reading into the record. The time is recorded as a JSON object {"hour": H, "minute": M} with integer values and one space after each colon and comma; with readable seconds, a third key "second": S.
{"hour": 6, "minute": 23}
